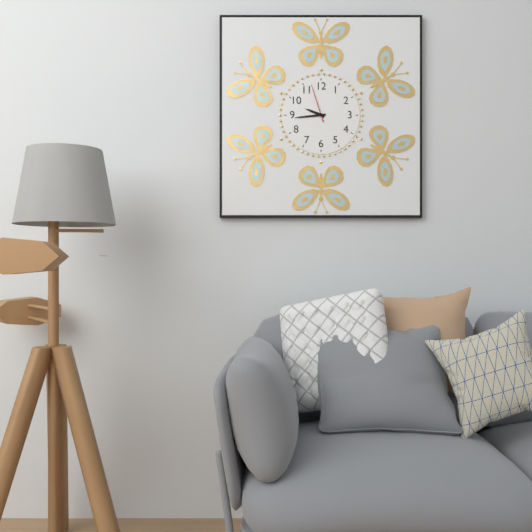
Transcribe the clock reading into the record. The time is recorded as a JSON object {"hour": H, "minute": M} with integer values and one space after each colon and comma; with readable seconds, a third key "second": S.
{"hour": 9, "minute": 44}
